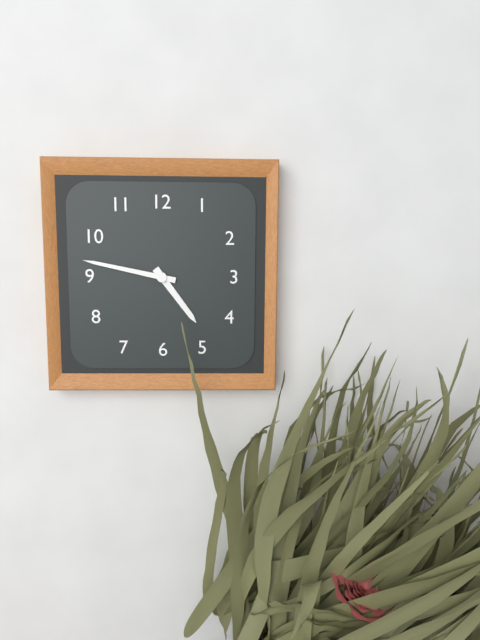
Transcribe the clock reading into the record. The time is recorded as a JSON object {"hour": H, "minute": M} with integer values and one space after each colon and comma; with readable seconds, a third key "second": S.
{"hour": 4, "minute": 47}
